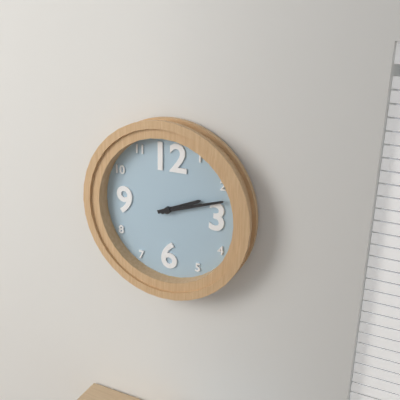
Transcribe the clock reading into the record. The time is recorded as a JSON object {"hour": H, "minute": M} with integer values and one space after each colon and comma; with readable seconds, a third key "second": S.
{"hour": 2, "minute": 12}
